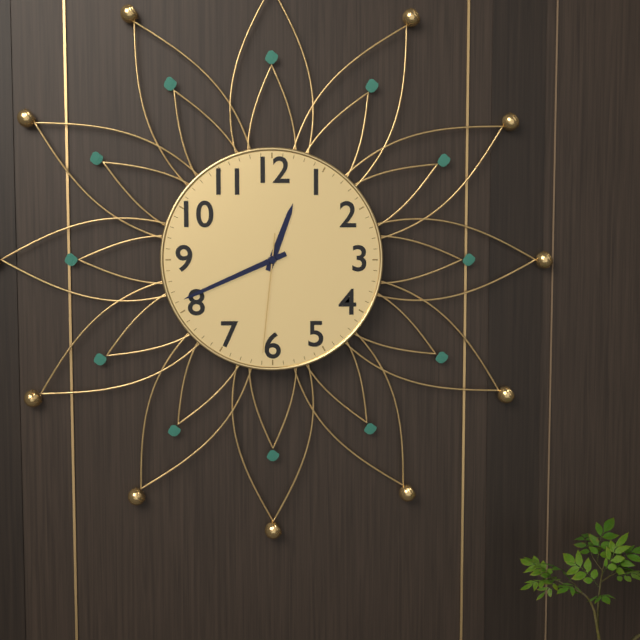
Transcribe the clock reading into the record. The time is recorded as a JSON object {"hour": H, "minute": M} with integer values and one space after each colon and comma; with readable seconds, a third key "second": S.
{"hour": 12, "minute": 41, "second": 31}
